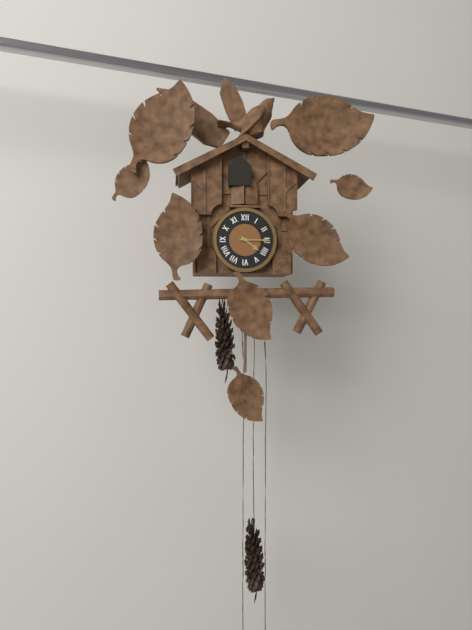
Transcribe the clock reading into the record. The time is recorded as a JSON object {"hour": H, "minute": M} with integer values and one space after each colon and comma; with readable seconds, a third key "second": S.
{"hour": 4, "minute": 15}
